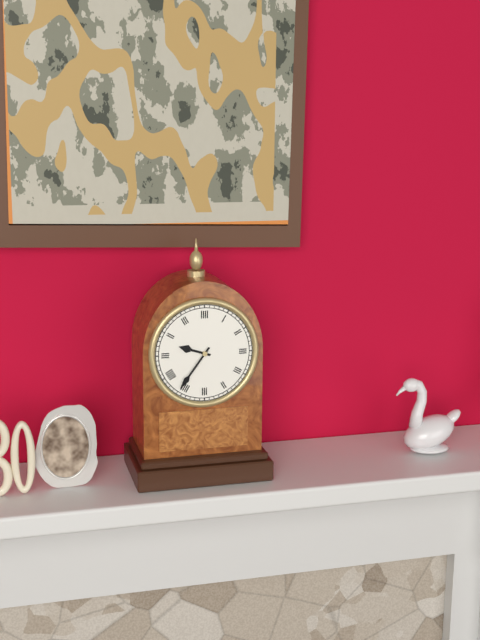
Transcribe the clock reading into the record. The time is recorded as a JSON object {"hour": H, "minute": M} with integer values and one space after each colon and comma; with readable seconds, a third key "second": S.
{"hour": 9, "minute": 36}
